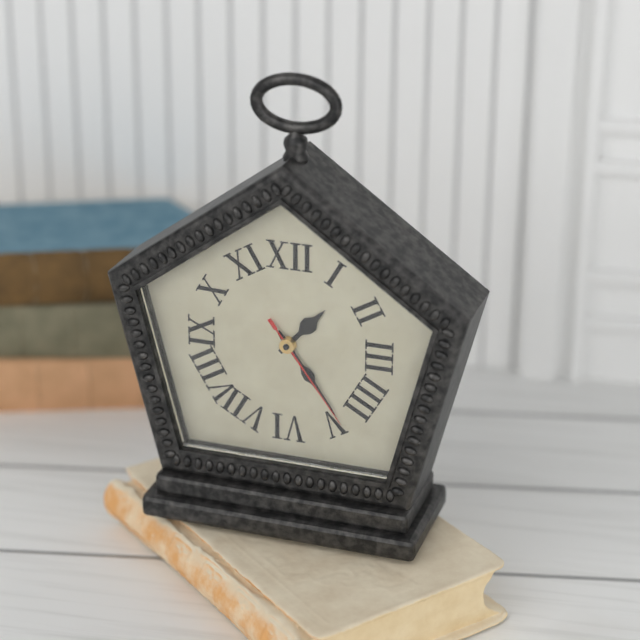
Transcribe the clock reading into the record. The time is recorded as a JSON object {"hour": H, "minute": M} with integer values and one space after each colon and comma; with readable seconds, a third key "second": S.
{"hour": 1, "minute": 24, "second": 24}
